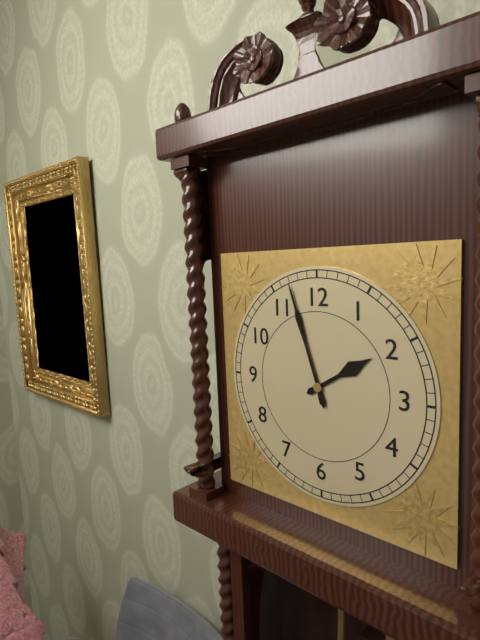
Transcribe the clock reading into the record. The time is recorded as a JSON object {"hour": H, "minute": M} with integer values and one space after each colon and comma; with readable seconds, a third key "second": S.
{"hour": 1, "minute": 57}
